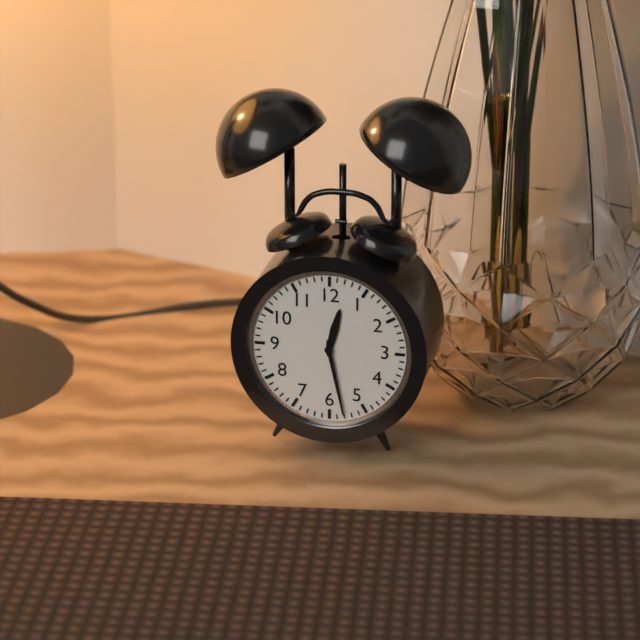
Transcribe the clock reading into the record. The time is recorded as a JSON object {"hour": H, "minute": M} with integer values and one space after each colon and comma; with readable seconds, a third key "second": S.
{"hour": 12, "minute": 28}
